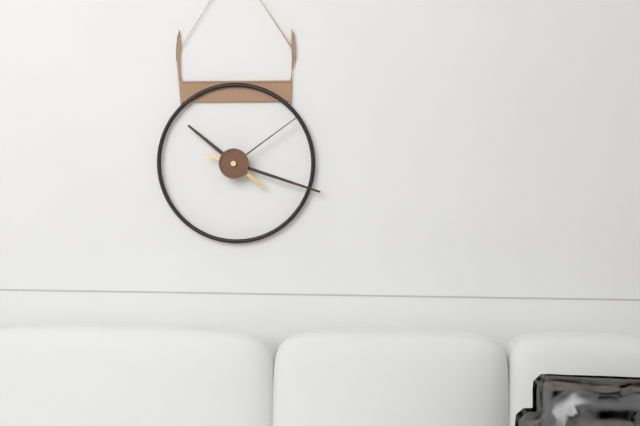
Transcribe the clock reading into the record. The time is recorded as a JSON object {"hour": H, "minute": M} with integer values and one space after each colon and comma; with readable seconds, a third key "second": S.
{"hour": 10, "minute": 18, "second": 9}
